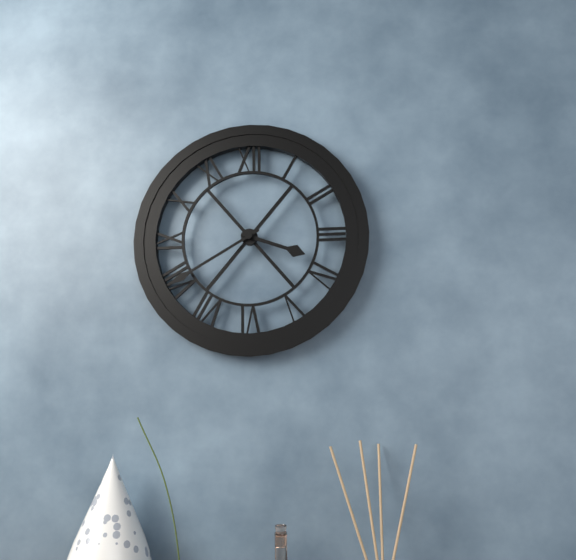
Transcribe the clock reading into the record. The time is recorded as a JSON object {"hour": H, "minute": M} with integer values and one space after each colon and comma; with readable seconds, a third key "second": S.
{"hour": 3, "minute": 40}
